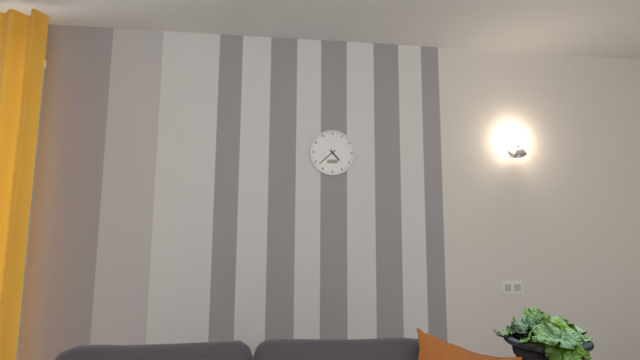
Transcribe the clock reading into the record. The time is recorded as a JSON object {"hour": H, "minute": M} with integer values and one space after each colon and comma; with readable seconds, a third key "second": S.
{"hour": 4, "minute": 38}
